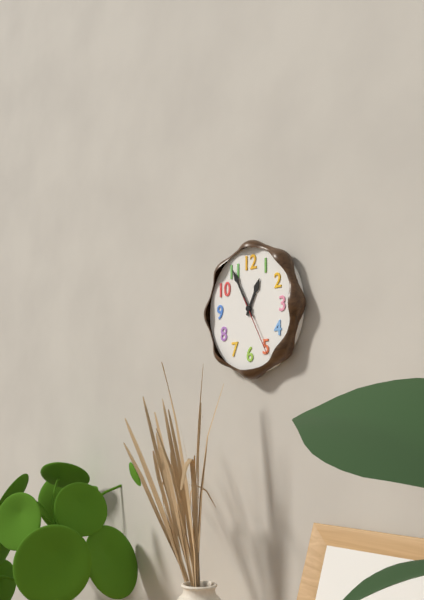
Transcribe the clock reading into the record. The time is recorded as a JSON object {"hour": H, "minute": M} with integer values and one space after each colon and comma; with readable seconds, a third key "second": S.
{"hour": 12, "minute": 55, "second": 25}
